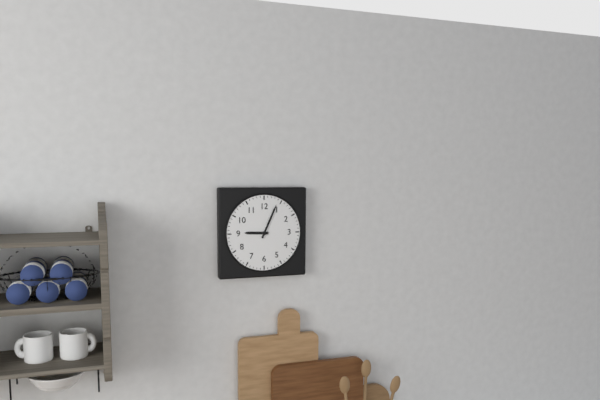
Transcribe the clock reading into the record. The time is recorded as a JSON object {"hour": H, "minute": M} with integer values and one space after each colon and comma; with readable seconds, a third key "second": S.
{"hour": 9, "minute": 4}
